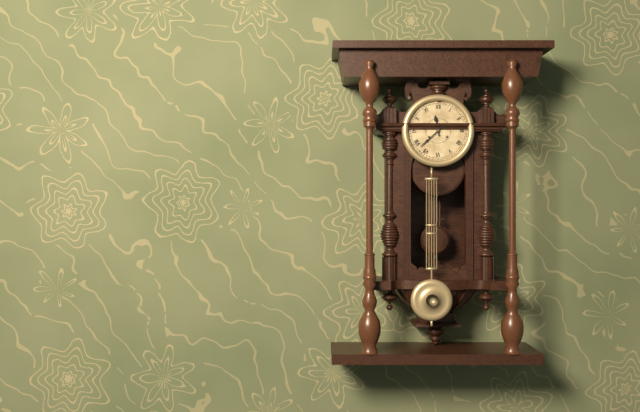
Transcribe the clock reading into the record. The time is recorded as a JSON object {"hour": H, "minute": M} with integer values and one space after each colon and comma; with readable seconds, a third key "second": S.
{"hour": 11, "minute": 38}
